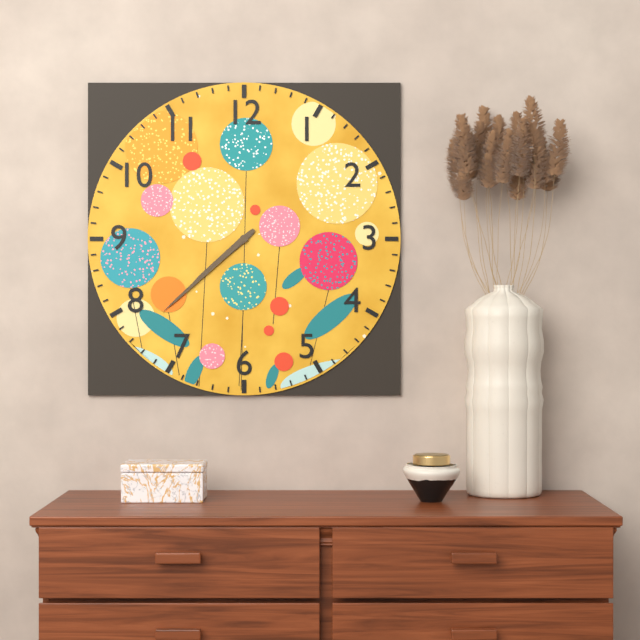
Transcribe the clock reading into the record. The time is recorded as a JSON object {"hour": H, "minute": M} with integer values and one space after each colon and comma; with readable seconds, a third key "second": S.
{"hour": 7, "minute": 38}
